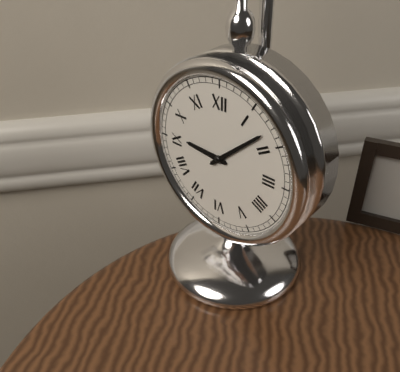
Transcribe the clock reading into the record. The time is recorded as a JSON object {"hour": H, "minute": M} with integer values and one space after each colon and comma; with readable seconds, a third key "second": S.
{"hour": 9, "minute": 8}
